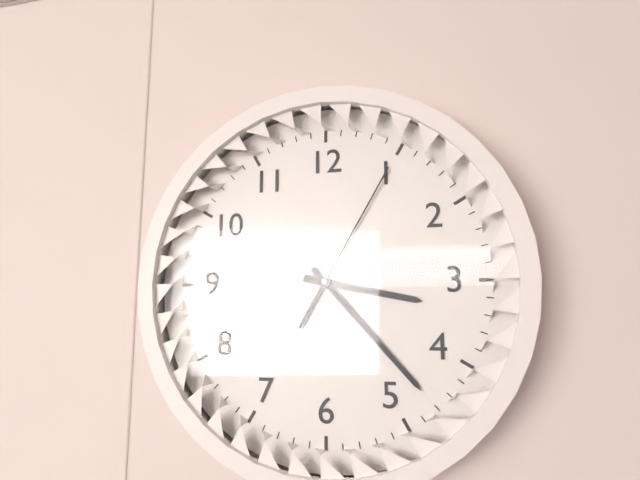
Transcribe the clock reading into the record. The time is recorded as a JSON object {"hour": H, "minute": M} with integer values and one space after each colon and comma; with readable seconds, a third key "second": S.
{"hour": 3, "minute": 23, "second": 5}
